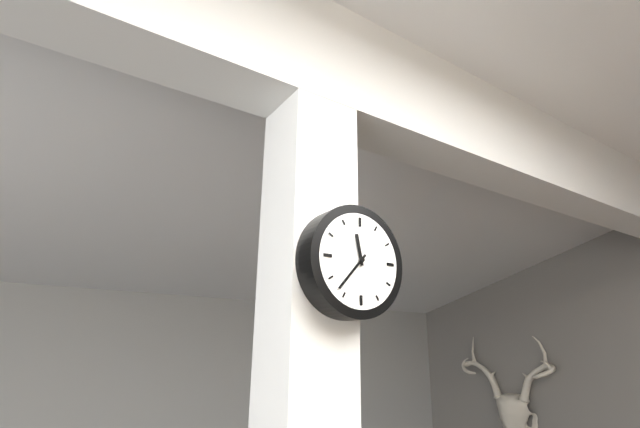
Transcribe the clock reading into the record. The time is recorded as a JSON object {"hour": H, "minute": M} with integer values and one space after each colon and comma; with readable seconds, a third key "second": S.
{"hour": 11, "minute": 37}
